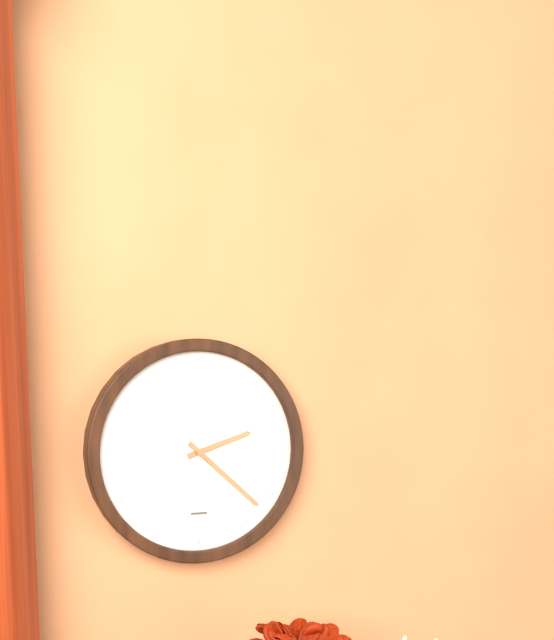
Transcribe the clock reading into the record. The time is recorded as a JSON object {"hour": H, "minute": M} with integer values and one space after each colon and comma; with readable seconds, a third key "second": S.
{"hour": 2, "minute": 22}
